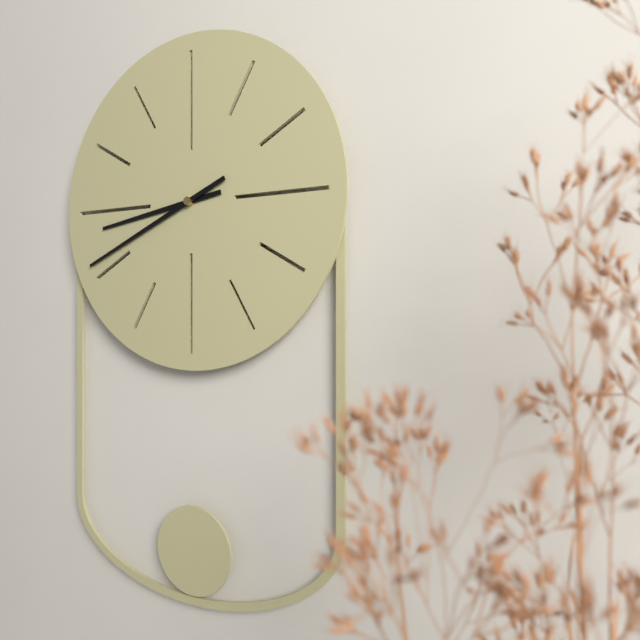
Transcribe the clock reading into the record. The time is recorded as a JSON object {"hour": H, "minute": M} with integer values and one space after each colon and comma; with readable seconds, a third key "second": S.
{"hour": 8, "minute": 41}
